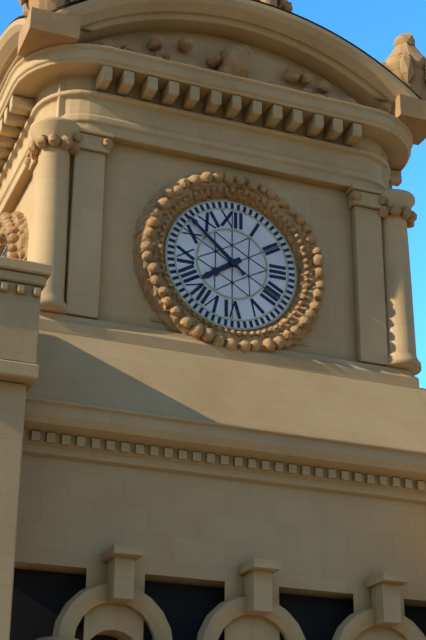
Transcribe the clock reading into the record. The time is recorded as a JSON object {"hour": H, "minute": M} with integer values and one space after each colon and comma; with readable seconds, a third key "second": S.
{"hour": 7, "minute": 52}
